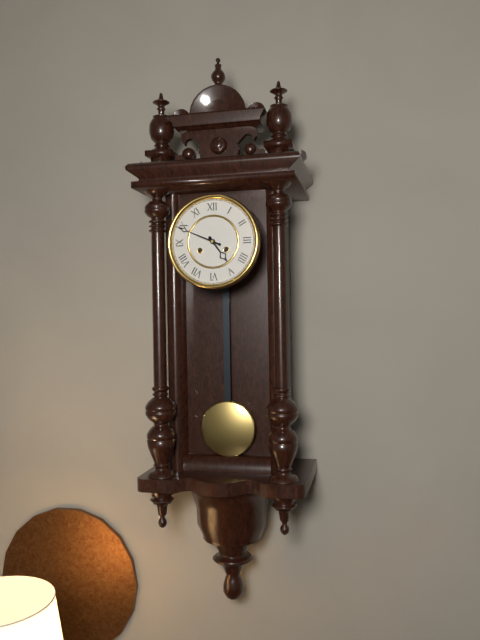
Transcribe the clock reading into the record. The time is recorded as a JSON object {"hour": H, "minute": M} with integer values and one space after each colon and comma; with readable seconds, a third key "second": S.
{"hour": 4, "minute": 49}
